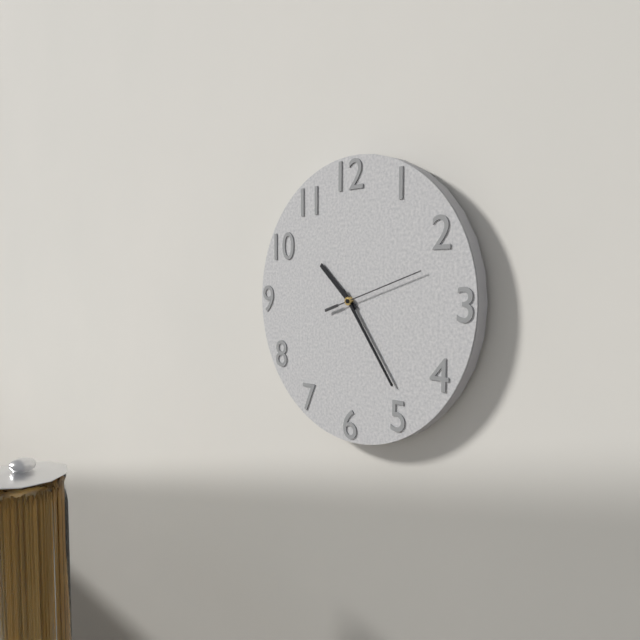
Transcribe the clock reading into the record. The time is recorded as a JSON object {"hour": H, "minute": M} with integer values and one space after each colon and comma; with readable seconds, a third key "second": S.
{"hour": 10, "minute": 24, "second": 12}
